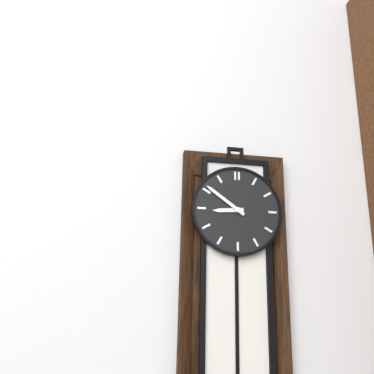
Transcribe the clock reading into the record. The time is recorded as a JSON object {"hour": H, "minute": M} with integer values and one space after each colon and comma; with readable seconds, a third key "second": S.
{"hour": 8, "minute": 51}
